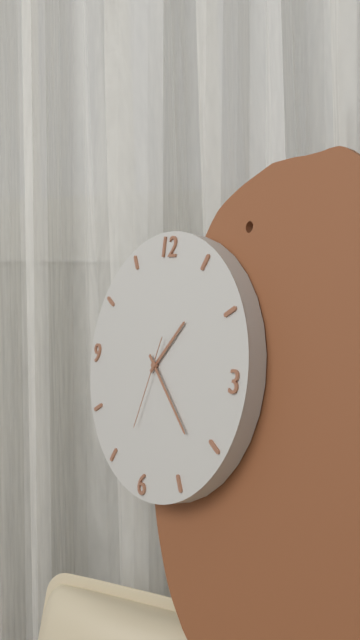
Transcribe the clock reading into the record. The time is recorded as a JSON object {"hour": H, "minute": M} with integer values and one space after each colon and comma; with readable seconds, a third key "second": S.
{"hour": 1, "minute": 22, "second": 33}
